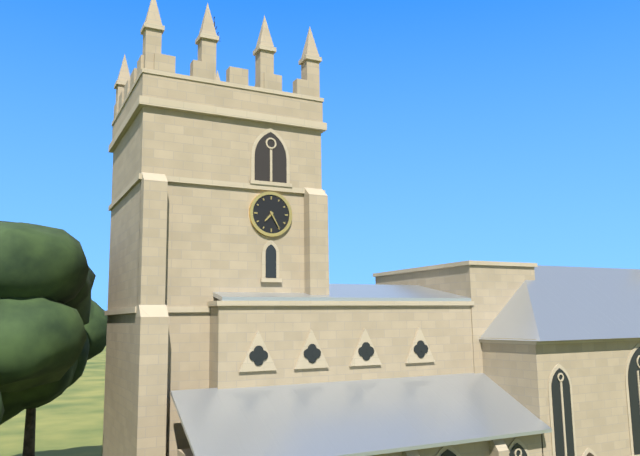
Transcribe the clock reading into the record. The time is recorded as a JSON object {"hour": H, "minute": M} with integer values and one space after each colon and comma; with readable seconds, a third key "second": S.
{"hour": 7, "minute": 25}
